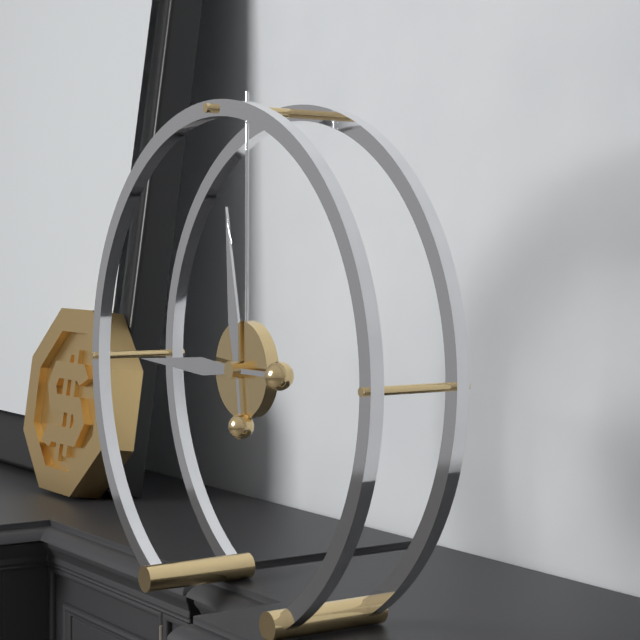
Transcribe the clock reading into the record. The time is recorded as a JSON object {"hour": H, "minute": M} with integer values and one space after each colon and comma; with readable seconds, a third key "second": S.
{"hour": 11, "minute": 45}
